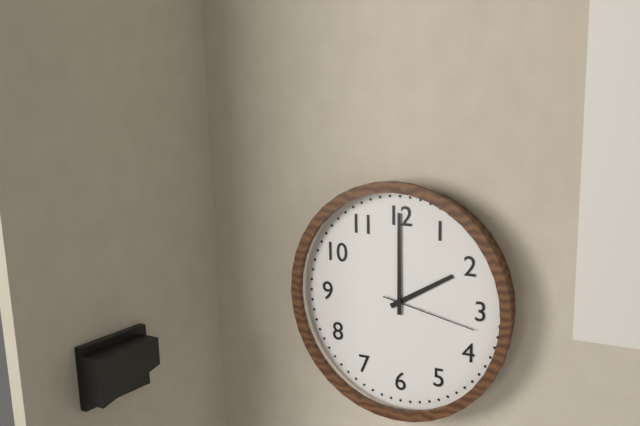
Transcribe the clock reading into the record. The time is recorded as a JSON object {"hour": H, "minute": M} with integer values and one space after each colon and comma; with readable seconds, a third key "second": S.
{"hour": 2, "minute": 0, "second": 17}
